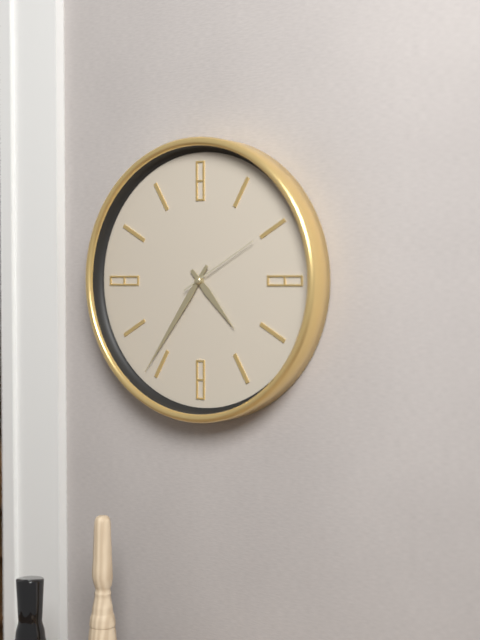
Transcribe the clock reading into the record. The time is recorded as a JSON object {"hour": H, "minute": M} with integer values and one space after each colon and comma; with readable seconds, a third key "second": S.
{"hour": 4, "minute": 36, "second": 10}
